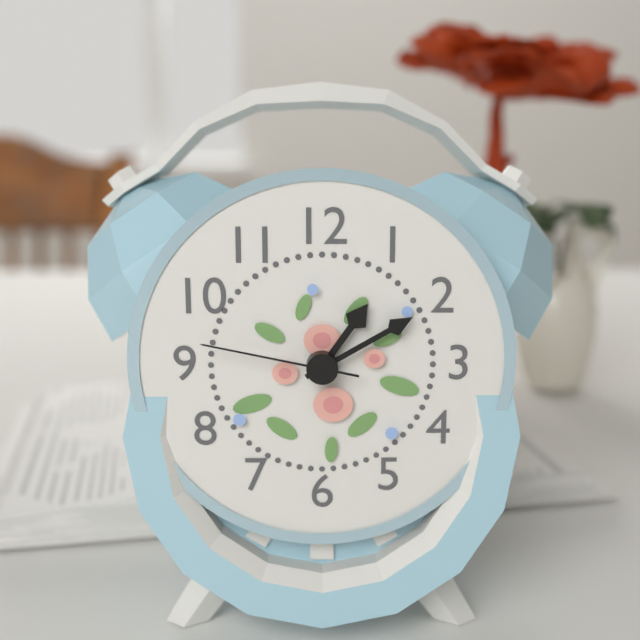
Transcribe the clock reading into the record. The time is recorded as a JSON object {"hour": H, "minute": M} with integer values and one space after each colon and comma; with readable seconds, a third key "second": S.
{"hour": 1, "minute": 10, "second": 47}
